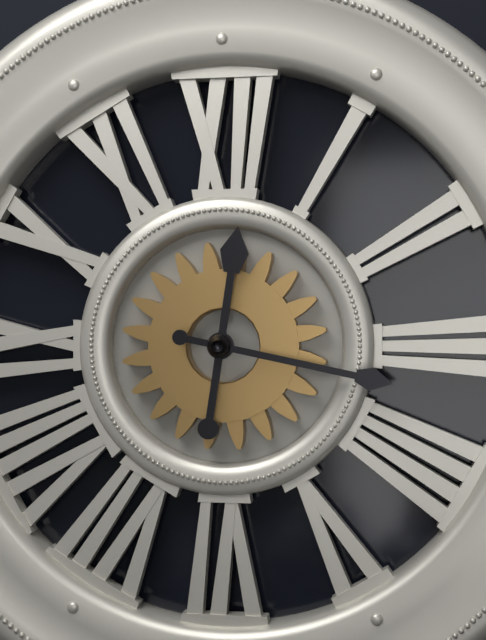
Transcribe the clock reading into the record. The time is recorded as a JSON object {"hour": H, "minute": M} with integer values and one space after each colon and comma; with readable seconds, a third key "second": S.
{"hour": 12, "minute": 17}
